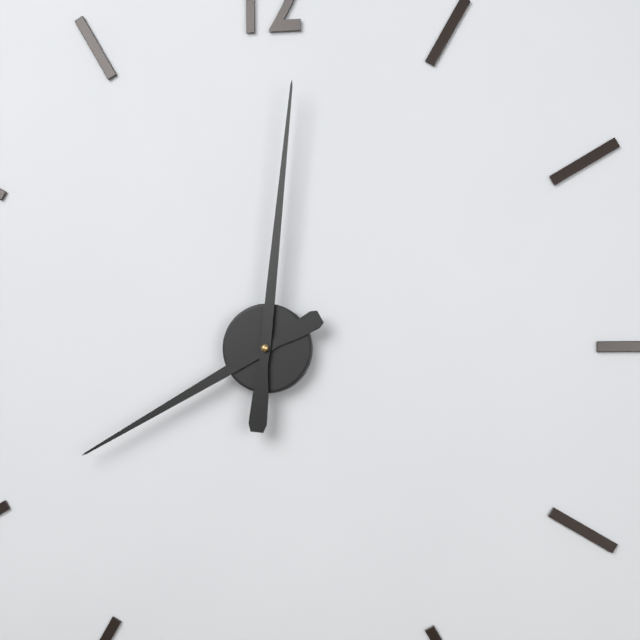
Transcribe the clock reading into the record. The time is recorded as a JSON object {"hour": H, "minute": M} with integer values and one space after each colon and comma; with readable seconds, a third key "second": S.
{"hour": 8, "minute": 1}
